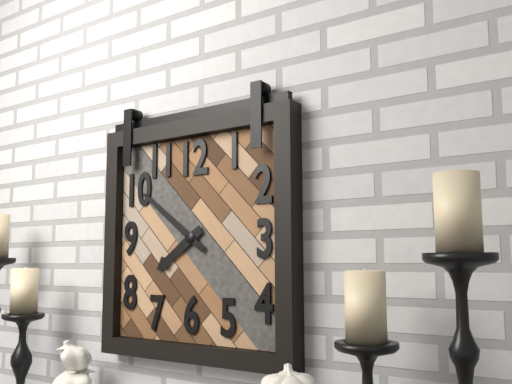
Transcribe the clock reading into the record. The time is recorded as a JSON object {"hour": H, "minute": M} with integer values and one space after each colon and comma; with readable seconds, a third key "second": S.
{"hour": 7, "minute": 51}
